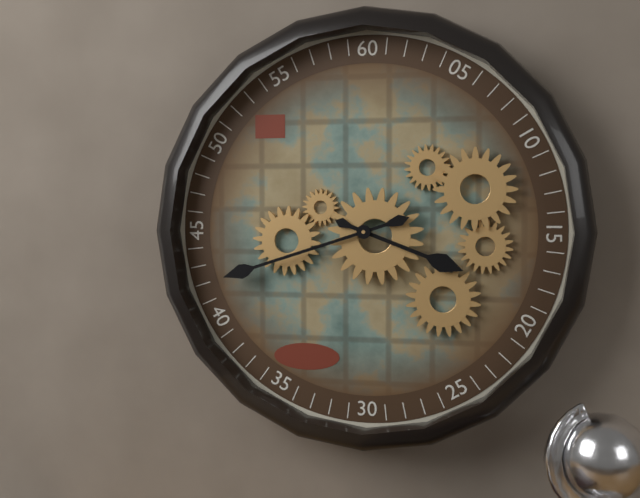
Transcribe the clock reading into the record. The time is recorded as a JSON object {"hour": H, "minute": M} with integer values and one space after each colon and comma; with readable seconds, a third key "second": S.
{"hour": 3, "minute": 42}
